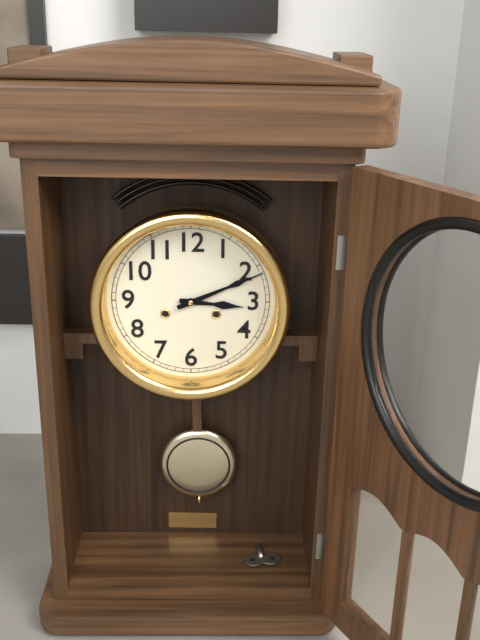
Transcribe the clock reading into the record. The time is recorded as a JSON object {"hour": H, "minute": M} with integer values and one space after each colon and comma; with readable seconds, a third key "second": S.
{"hour": 3, "minute": 11}
